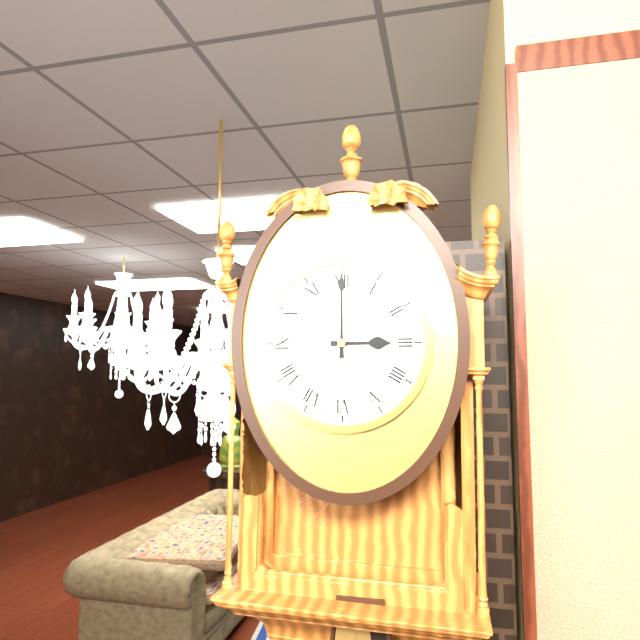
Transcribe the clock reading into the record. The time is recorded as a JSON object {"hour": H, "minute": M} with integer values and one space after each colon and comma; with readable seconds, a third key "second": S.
{"hour": 3, "minute": 0}
